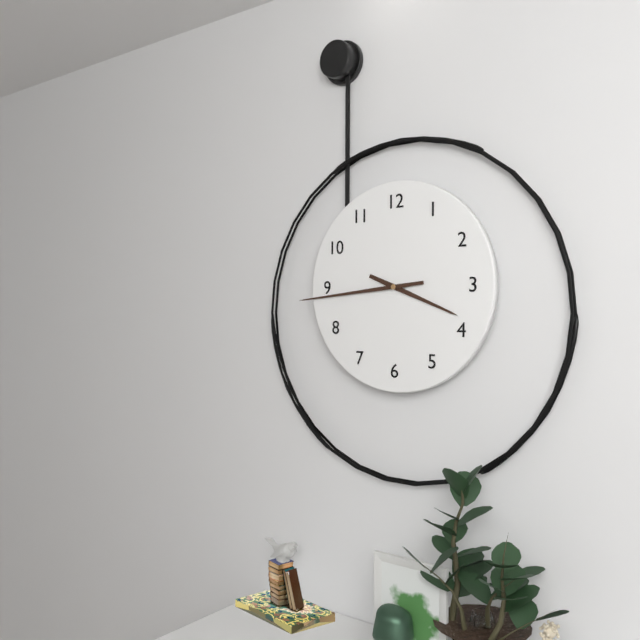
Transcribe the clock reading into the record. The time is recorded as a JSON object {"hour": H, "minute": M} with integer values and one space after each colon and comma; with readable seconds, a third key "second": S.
{"hour": 3, "minute": 44}
